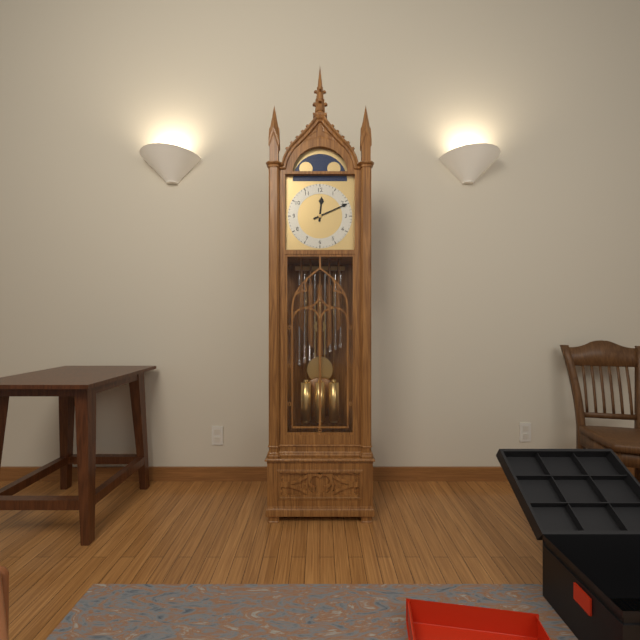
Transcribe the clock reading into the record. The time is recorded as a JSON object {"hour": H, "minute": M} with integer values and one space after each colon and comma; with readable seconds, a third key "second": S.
{"hour": 12, "minute": 11}
